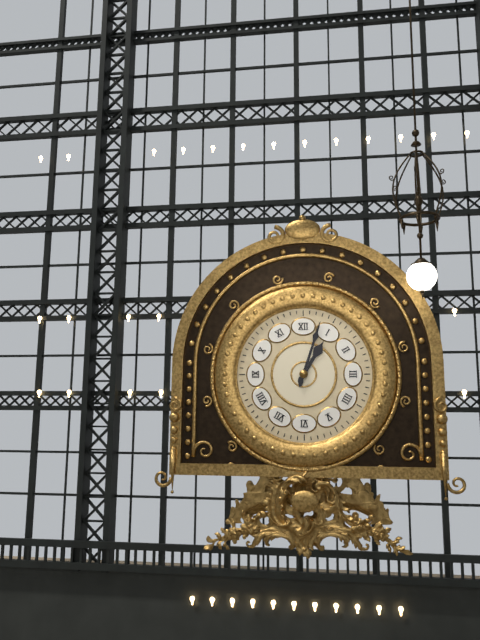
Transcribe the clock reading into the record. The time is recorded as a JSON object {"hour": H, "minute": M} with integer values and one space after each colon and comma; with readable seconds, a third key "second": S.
{"hour": 1, "minute": 3}
